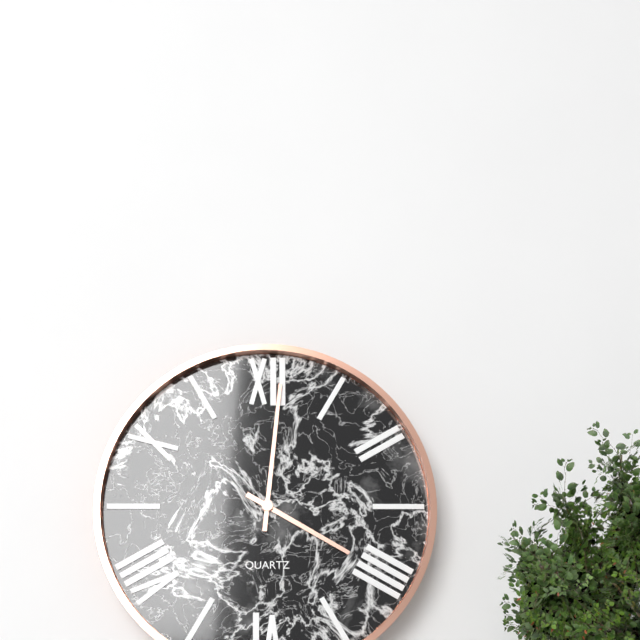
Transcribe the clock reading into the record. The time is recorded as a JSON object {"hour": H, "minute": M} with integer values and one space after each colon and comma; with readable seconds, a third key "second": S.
{"hour": 4, "minute": 1}
